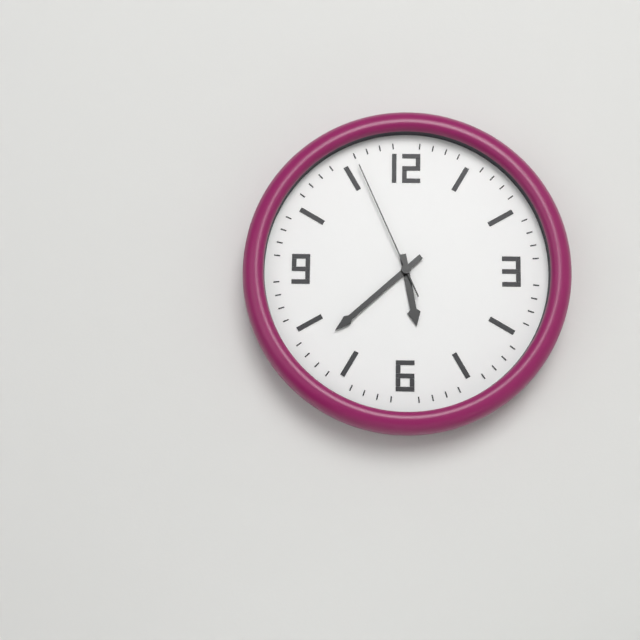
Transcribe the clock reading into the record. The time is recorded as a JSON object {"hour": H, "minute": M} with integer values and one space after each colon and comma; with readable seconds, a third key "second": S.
{"hour": 5, "minute": 38, "second": 56}
